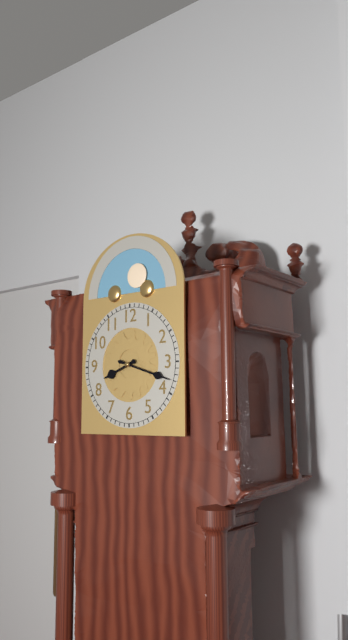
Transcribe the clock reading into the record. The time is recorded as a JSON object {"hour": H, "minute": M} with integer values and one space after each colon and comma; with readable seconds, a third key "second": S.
{"hour": 8, "minute": 18}
